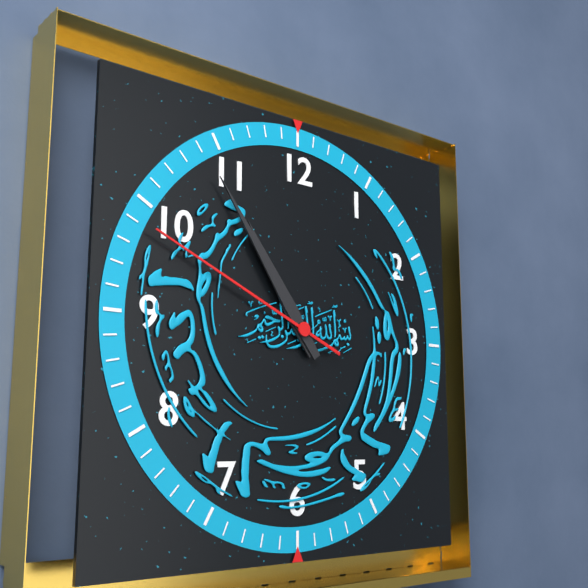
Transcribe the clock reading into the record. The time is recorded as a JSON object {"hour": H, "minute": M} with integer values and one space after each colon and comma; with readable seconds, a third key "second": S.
{"hour": 10, "minute": 54, "second": 49}
